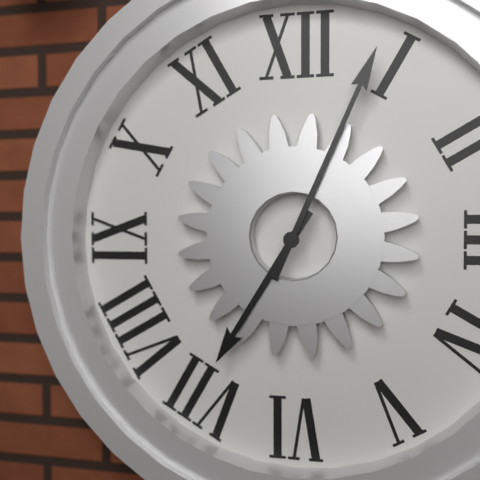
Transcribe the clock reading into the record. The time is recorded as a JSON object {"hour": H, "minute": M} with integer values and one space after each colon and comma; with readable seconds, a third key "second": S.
{"hour": 7, "minute": 4}
